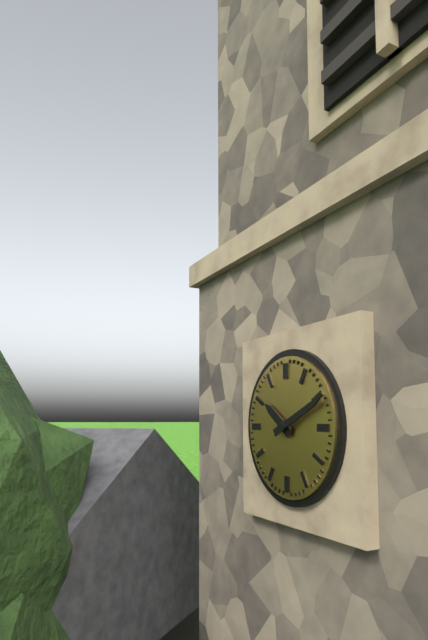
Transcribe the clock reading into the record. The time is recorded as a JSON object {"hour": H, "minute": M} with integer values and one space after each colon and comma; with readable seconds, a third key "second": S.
{"hour": 10, "minute": 11}
